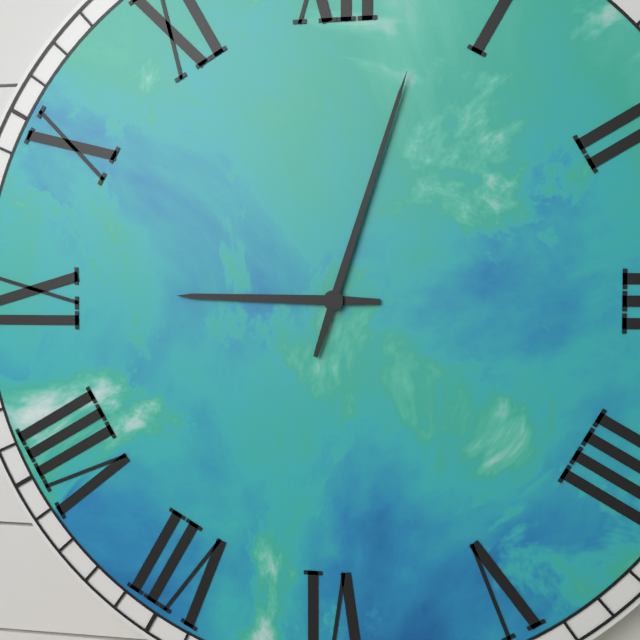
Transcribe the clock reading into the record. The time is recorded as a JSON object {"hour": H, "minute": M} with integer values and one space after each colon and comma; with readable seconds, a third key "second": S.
{"hour": 9, "minute": 3}
